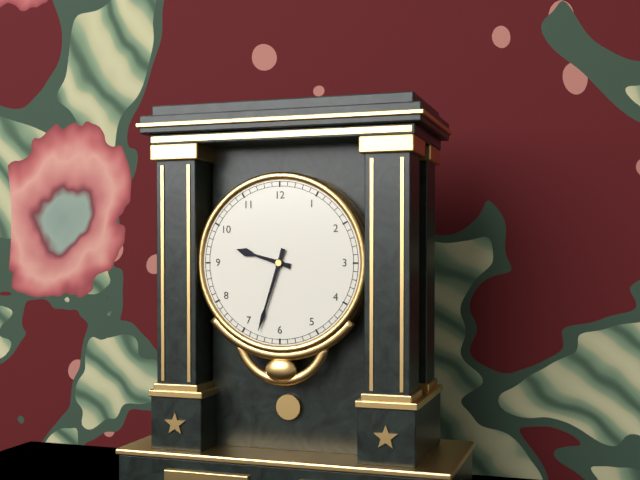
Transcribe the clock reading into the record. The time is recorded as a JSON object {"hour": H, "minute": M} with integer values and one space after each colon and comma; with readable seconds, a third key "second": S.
{"hour": 9, "minute": 33}
